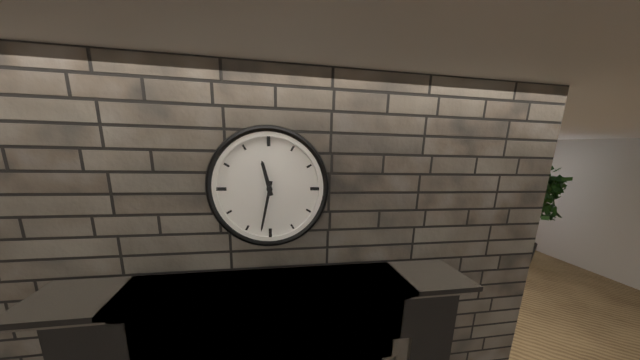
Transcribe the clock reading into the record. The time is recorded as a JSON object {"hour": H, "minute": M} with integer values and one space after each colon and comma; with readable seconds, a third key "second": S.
{"hour": 11, "minute": 32}
